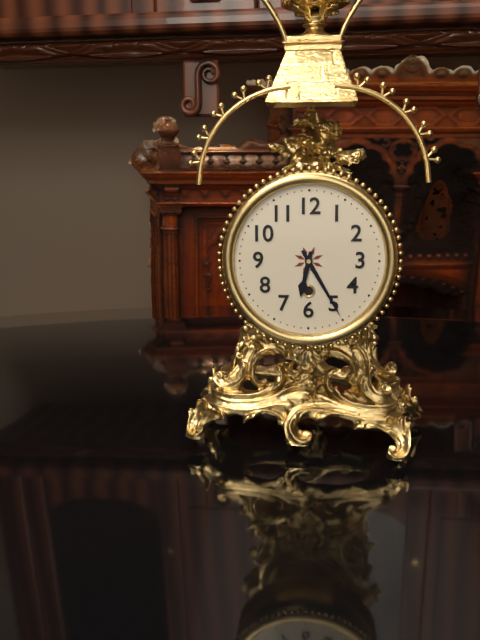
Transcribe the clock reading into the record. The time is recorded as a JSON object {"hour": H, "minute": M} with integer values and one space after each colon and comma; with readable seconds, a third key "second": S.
{"hour": 6, "minute": 25}
